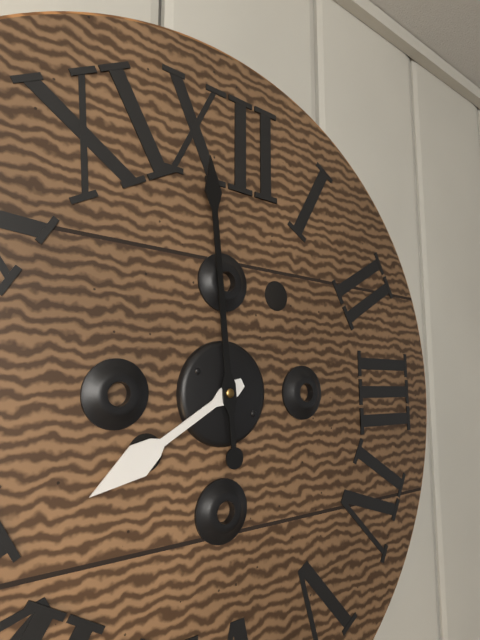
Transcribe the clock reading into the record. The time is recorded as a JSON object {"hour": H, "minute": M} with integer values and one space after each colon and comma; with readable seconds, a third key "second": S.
{"hour": 7, "minute": 59}
